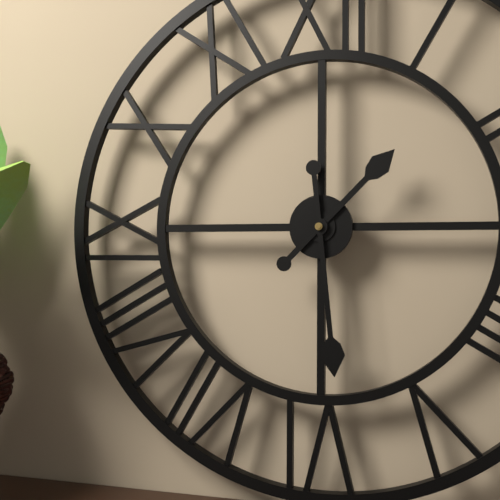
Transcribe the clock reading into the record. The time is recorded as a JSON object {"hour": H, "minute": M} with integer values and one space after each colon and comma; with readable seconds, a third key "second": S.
{"hour": 1, "minute": 29}
